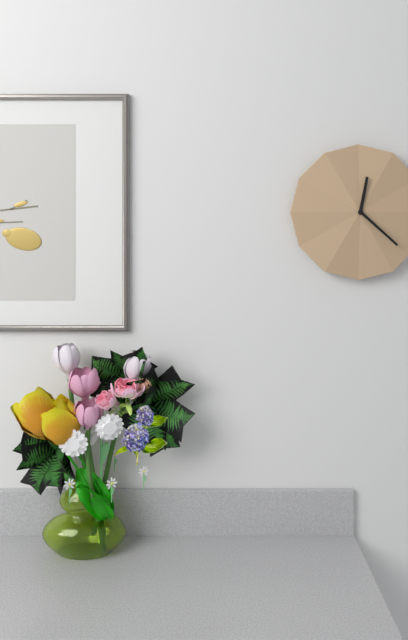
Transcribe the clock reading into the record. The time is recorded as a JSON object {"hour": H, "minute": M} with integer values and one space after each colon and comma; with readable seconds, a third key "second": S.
{"hour": 12, "minute": 22}
